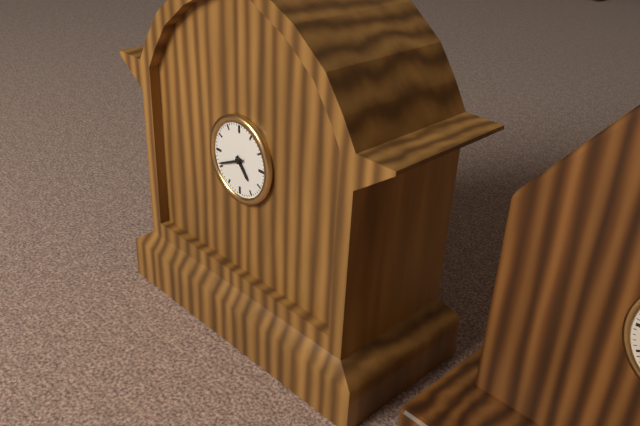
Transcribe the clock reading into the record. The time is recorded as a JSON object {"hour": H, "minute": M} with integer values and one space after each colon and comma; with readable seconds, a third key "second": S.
{"hour": 4, "minute": 41}
